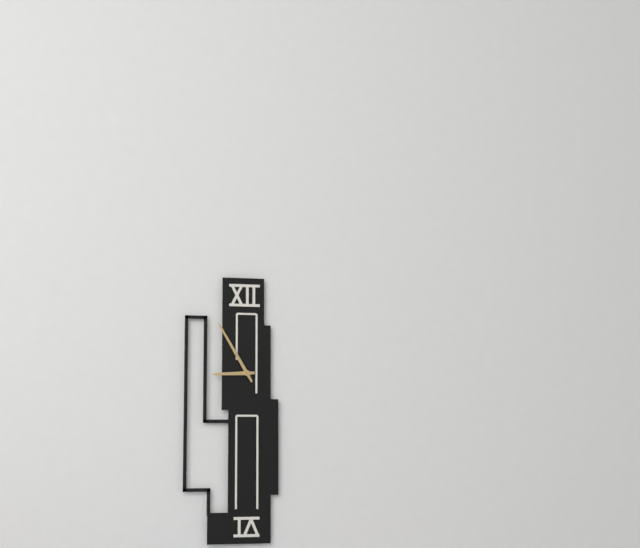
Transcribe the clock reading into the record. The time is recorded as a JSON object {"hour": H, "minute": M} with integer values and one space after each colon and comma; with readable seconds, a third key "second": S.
{"hour": 8, "minute": 55}
